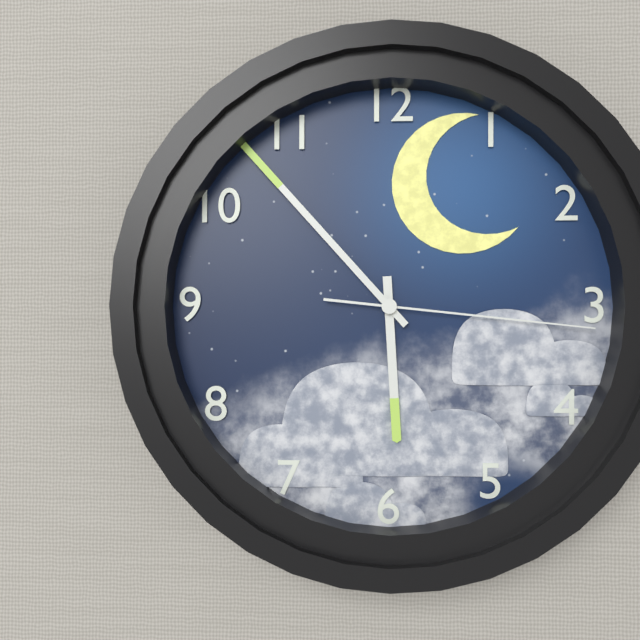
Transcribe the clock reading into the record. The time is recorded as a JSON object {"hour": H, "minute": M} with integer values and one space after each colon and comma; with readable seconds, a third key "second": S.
{"hour": 5, "minute": 53, "second": 16}
